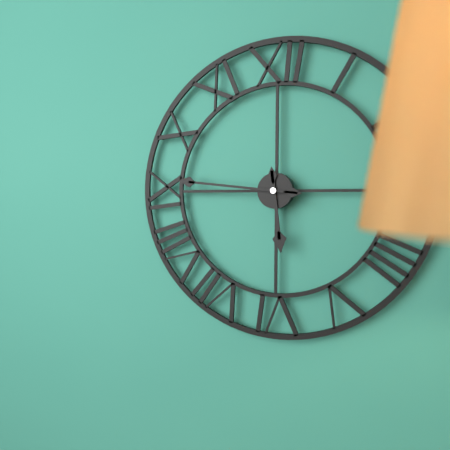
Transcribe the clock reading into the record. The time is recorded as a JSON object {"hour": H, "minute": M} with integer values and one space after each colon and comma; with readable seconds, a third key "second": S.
{"hour": 5, "minute": 46}
